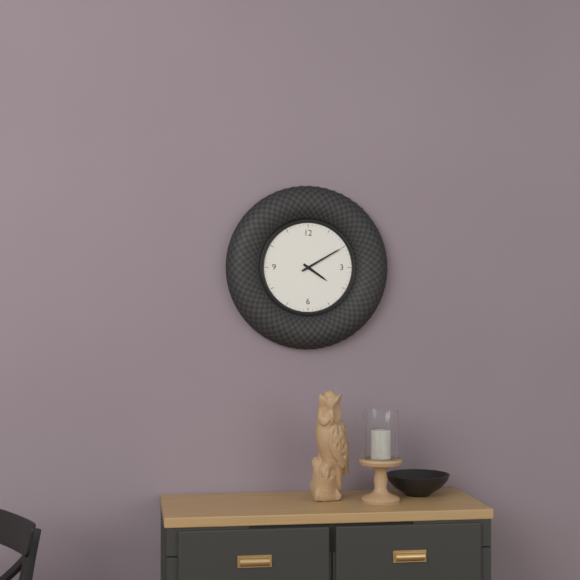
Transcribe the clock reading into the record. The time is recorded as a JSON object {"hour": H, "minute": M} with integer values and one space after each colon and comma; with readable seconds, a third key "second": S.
{"hour": 4, "minute": 10}
